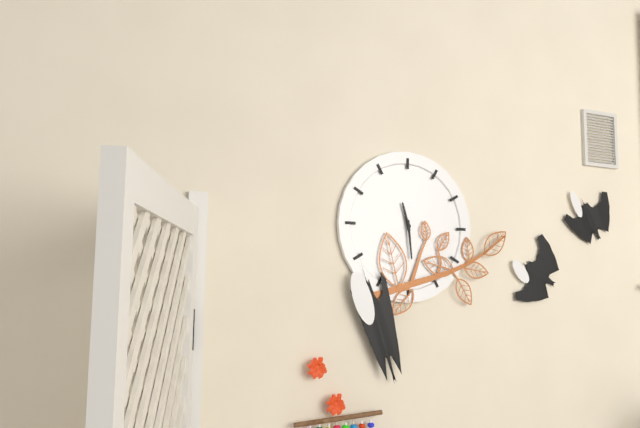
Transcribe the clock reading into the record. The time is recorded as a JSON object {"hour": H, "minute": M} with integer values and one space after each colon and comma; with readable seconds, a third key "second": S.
{"hour": 11, "minute": 29}
